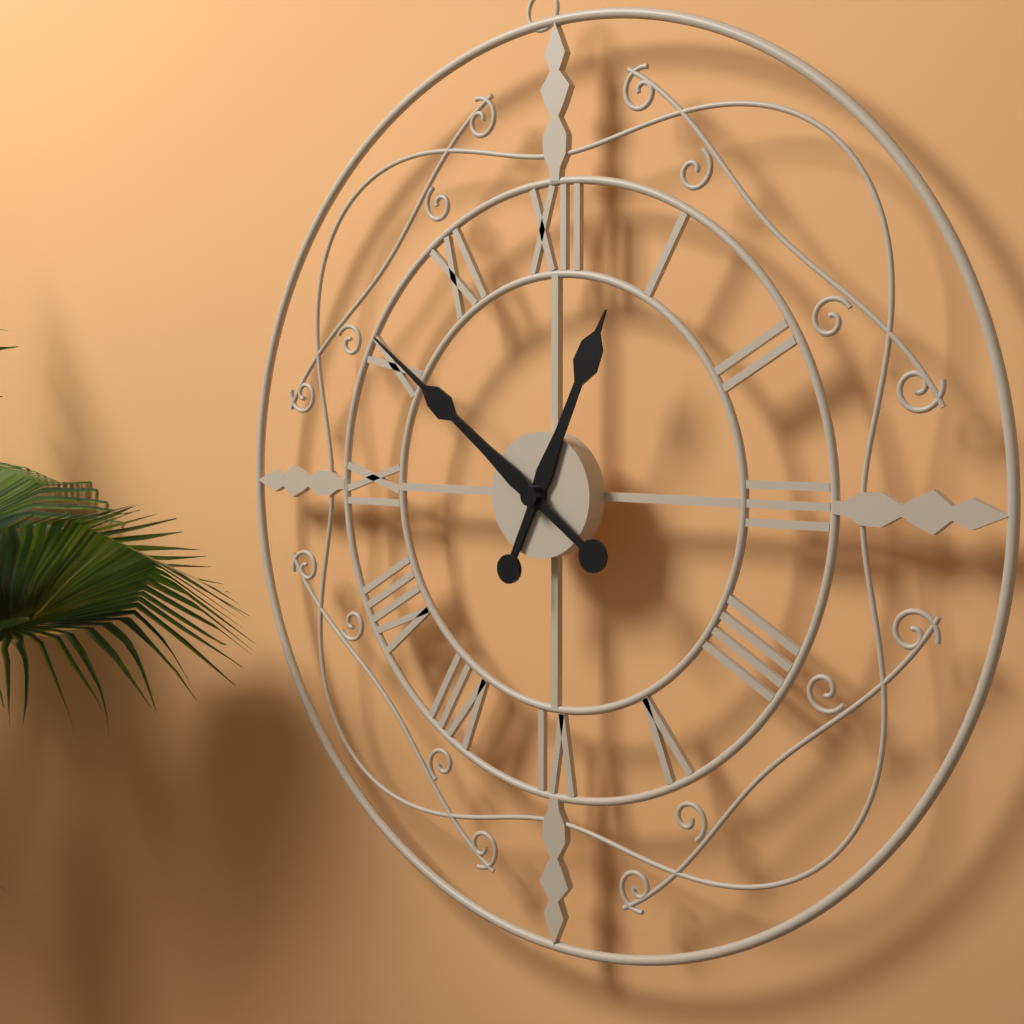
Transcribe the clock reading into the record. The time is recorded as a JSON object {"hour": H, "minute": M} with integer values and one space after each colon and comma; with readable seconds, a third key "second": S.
{"hour": 12, "minute": 51}
